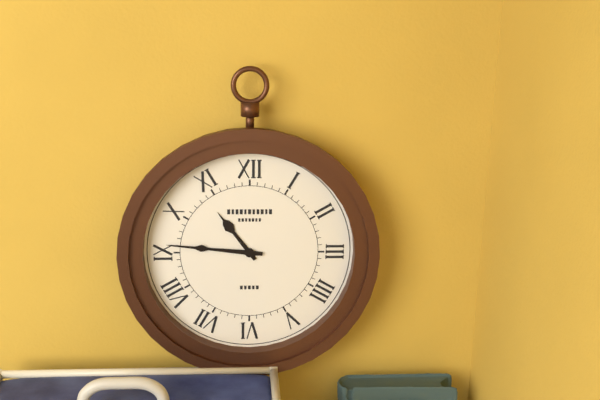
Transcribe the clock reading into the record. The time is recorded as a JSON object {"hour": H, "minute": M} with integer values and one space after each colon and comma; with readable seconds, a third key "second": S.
{"hour": 10, "minute": 46}
